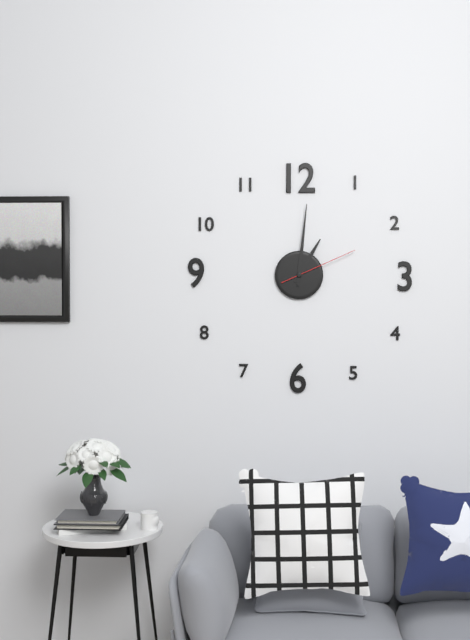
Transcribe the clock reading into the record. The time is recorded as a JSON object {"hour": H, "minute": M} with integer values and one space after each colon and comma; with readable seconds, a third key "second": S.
{"hour": 1, "minute": 1, "second": 11}
